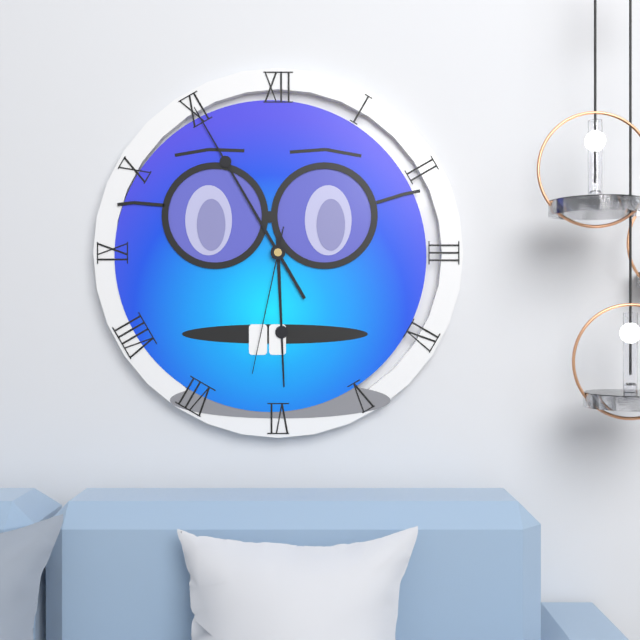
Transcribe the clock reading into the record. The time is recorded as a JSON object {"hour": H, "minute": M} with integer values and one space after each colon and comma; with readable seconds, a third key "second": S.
{"hour": 5, "minute": 55, "second": 32}
